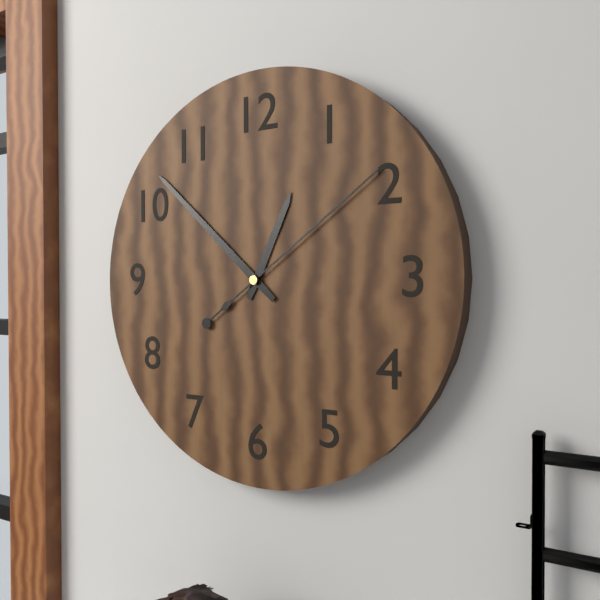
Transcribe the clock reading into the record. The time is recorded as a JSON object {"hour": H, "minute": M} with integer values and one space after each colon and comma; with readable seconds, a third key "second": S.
{"hour": 12, "minute": 52, "second": 9}
